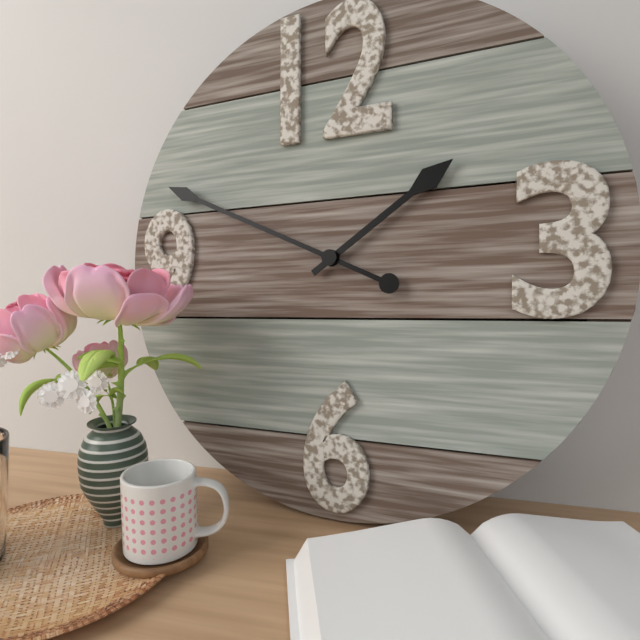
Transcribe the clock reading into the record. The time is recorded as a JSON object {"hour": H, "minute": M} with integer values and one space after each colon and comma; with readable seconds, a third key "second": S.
{"hour": 1, "minute": 49}
